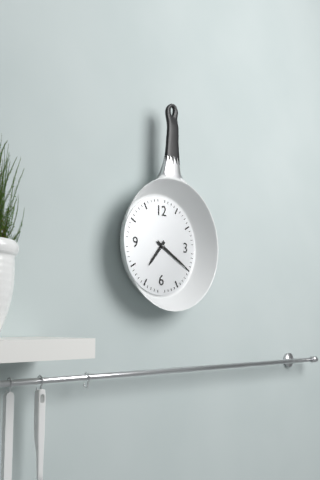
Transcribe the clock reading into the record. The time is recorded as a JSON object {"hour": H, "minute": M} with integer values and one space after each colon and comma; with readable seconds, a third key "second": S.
{"hour": 7, "minute": 20}
